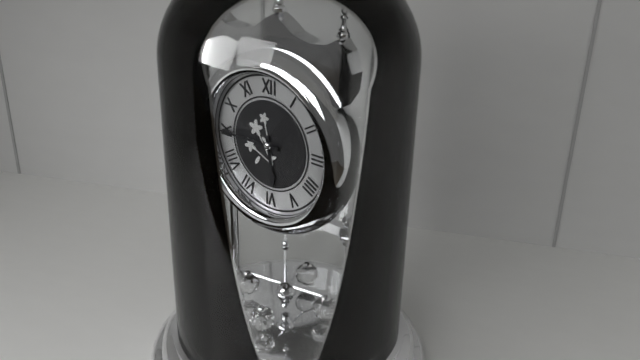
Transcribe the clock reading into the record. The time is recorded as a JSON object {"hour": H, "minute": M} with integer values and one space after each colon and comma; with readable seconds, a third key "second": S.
{"hour": 5, "minute": 45}
